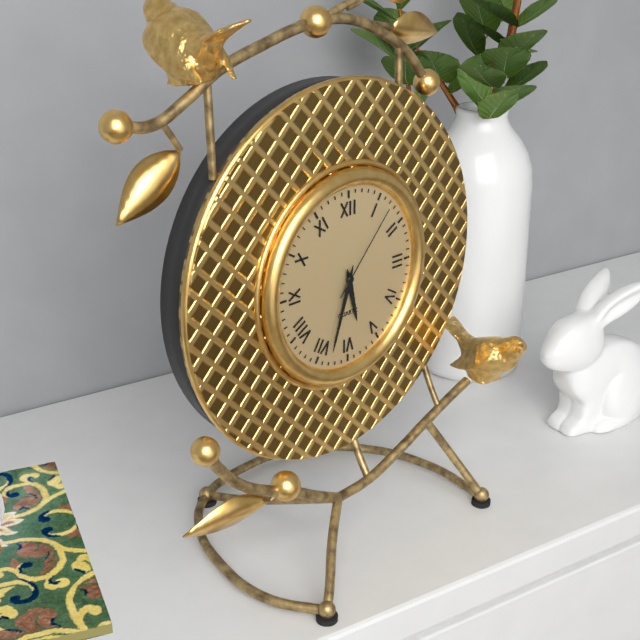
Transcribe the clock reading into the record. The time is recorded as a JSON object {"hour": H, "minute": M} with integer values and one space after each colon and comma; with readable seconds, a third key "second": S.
{"hour": 5, "minute": 33, "second": 7}
